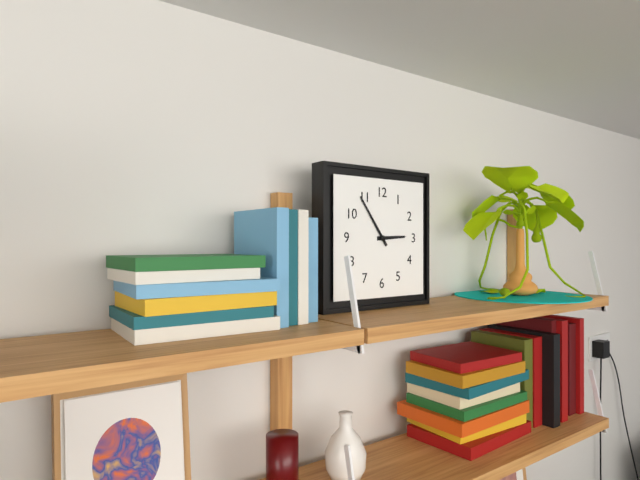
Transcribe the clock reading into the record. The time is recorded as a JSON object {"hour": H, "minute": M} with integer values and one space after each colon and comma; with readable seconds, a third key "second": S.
{"hour": 2, "minute": 54}
